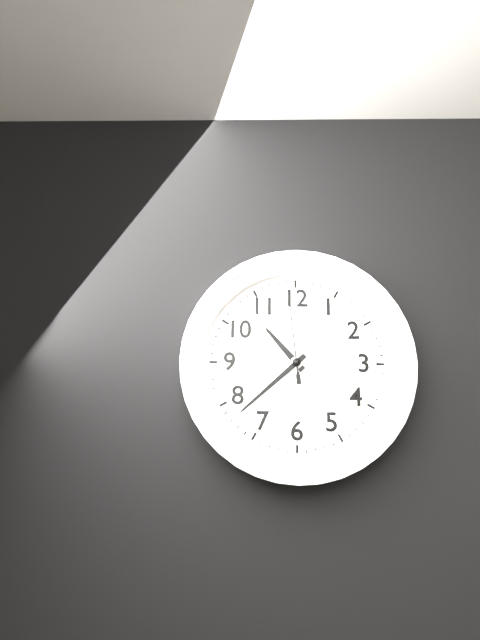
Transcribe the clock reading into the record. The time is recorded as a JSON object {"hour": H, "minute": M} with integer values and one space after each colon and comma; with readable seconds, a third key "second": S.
{"hour": 10, "minute": 38, "second": 59}
